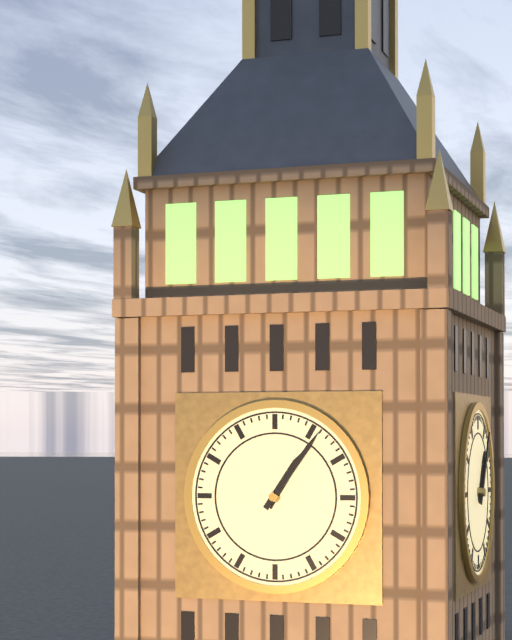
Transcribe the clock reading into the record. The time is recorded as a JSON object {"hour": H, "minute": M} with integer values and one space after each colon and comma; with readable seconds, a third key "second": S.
{"hour": 1, "minute": 6}
